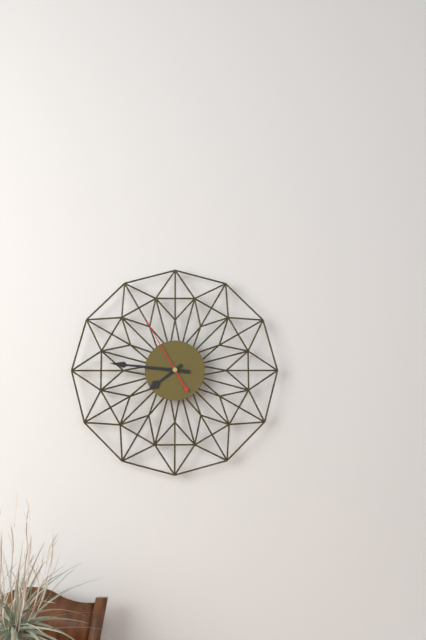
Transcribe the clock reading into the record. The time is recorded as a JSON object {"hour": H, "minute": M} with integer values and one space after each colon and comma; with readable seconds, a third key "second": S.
{"hour": 7, "minute": 46, "second": 55}
